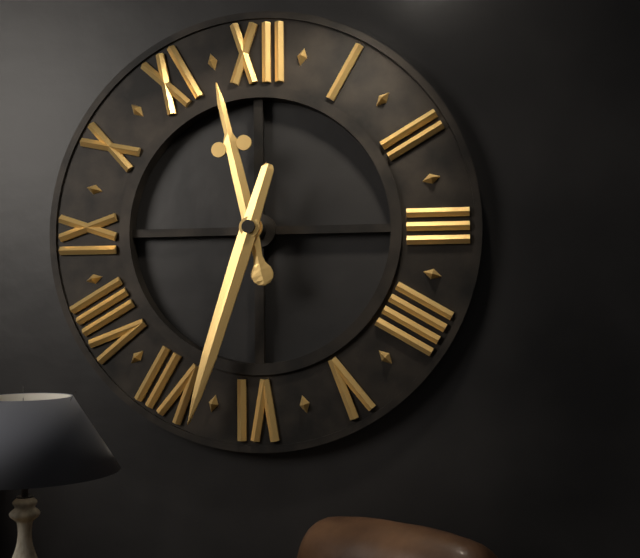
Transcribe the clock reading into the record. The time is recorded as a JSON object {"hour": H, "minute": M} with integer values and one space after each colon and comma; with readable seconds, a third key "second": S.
{"hour": 11, "minute": 33}
